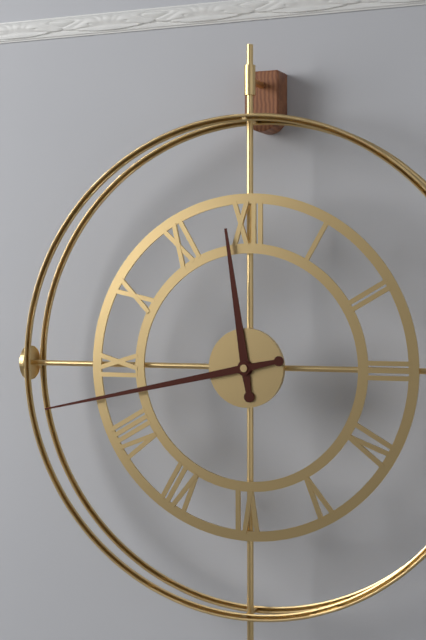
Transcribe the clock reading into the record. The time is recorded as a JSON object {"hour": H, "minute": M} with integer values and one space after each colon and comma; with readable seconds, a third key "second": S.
{"hour": 11, "minute": 43}
